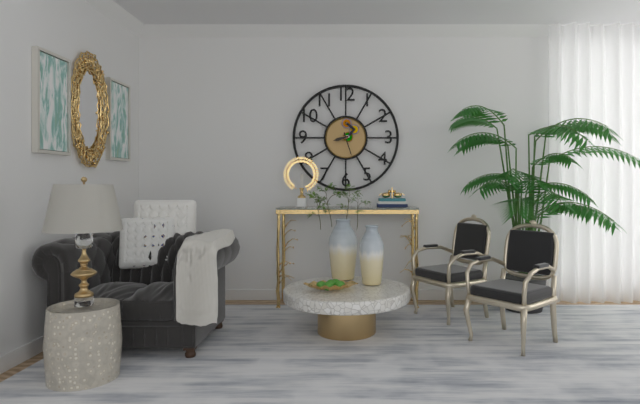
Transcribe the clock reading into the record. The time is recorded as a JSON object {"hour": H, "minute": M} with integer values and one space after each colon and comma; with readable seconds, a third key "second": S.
{"hour": 8, "minute": 27}
